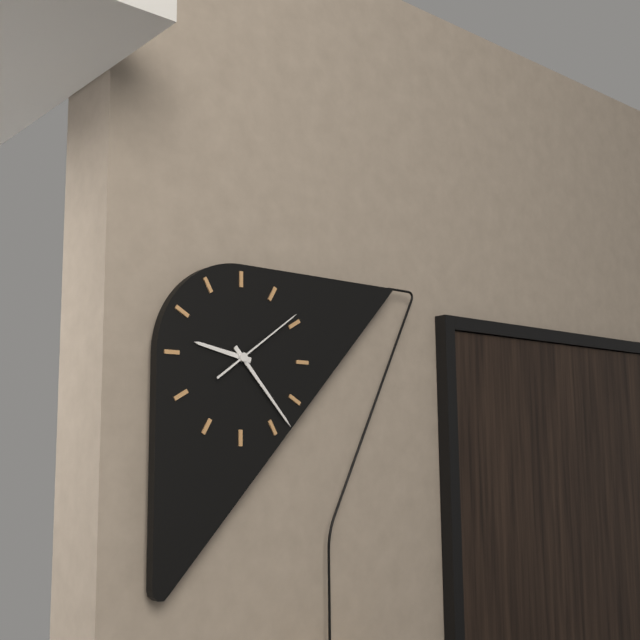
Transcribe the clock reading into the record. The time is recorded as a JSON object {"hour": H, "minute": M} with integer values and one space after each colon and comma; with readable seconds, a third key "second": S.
{"hour": 9, "minute": 23, "second": 9}
